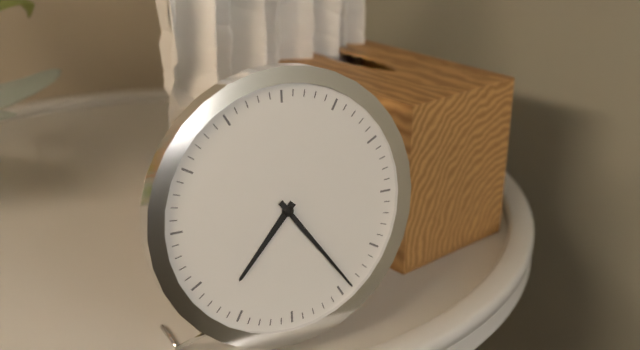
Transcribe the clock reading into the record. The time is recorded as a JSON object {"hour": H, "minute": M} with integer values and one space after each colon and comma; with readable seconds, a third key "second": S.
{"hour": 7, "minute": 24}
